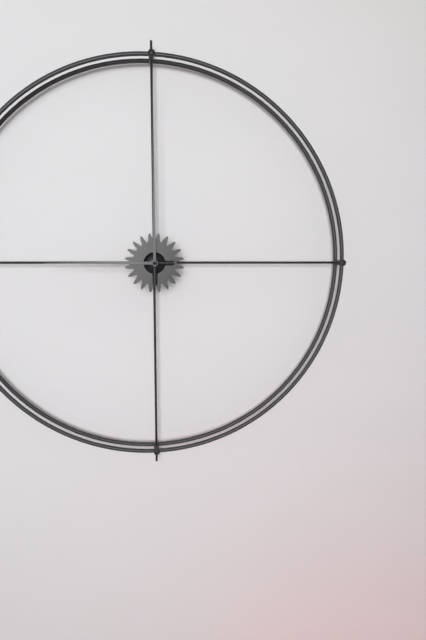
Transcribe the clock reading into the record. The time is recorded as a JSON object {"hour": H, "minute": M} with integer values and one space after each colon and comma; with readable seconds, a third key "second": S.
{"hour": 9, "minute": 0}
